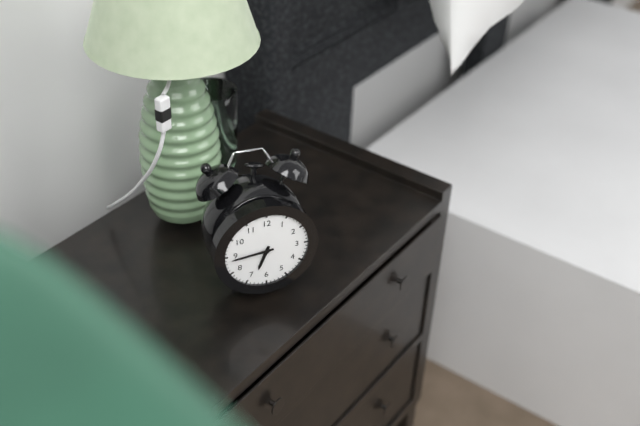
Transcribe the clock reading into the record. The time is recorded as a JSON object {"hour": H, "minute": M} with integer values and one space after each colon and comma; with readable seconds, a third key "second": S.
{"hour": 6, "minute": 44}
